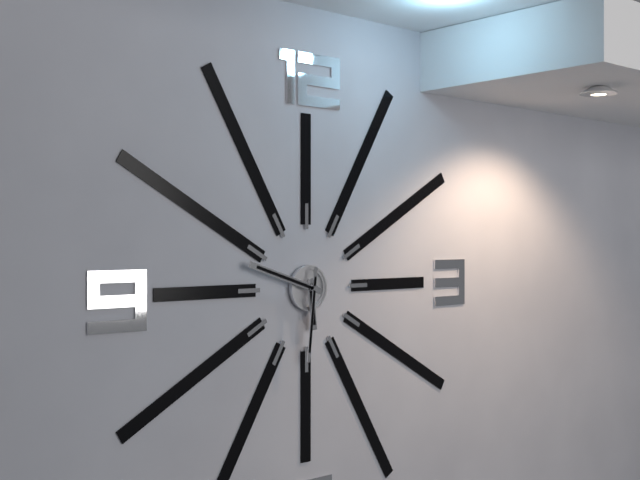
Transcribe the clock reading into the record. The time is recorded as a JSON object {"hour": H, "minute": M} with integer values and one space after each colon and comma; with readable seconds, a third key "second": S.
{"hour": 5, "minute": 48, "second": 31}
